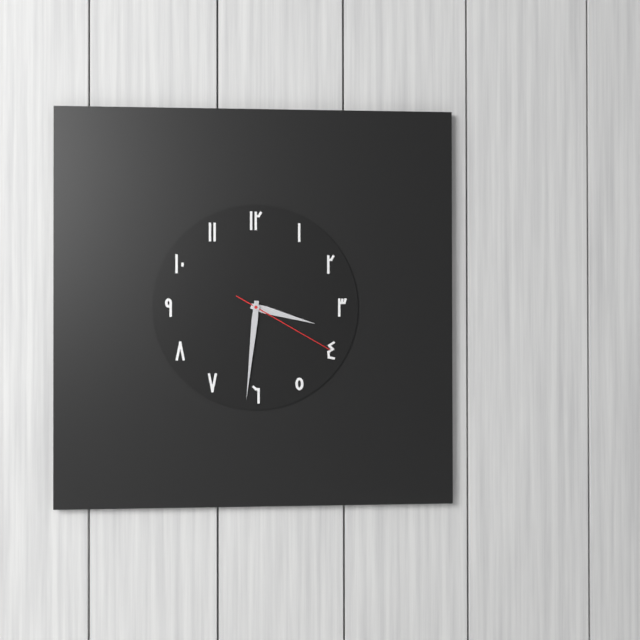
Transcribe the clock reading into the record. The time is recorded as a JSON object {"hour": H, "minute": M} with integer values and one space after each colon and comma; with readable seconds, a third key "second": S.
{"hour": 3, "minute": 31, "second": 20}
